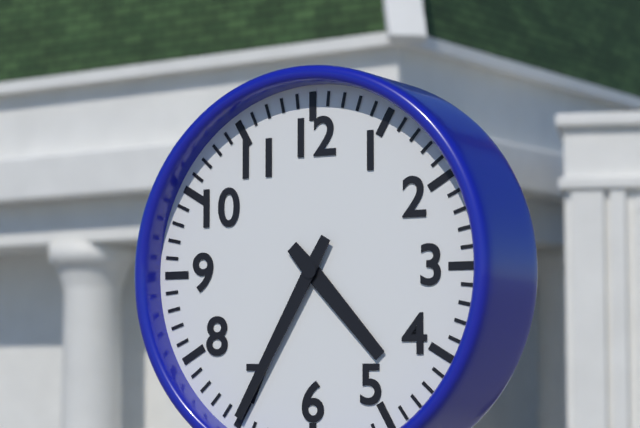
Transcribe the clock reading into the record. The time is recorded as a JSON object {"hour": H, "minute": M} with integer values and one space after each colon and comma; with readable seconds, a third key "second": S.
{"hour": 4, "minute": 35}
